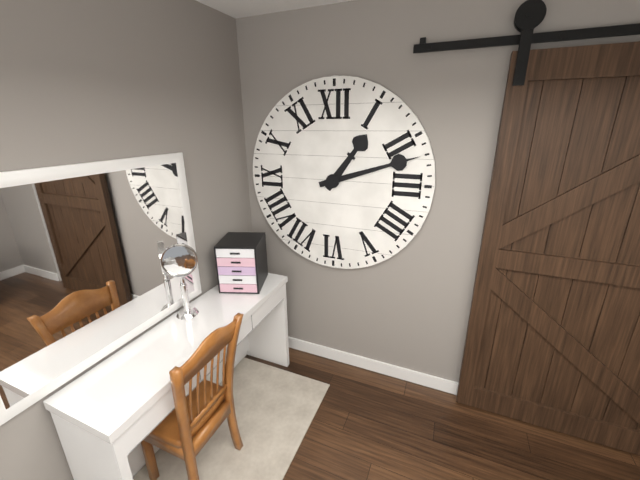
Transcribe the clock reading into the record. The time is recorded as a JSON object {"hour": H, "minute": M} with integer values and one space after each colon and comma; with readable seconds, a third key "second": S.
{"hour": 1, "minute": 12}
